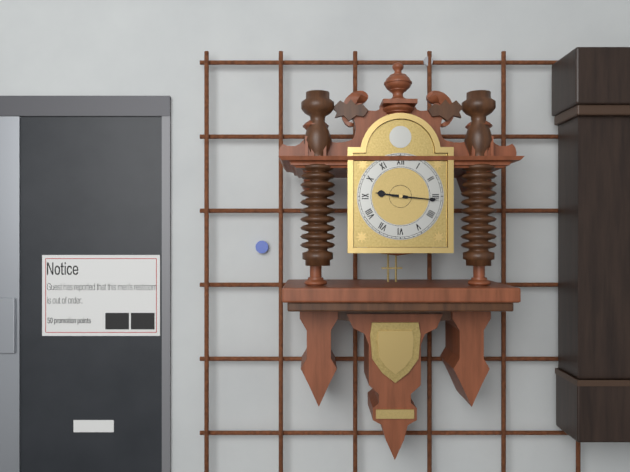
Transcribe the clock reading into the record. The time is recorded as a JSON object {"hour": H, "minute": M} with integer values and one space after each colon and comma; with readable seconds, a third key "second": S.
{"hour": 9, "minute": 16}
